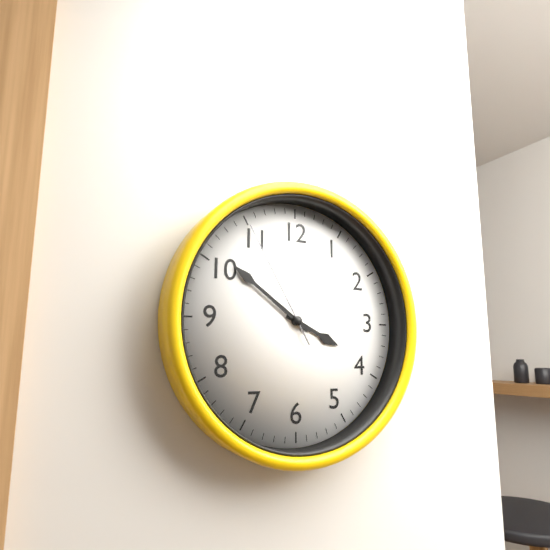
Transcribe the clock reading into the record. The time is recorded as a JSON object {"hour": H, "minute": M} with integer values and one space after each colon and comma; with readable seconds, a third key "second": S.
{"hour": 3, "minute": 51, "second": 55}
